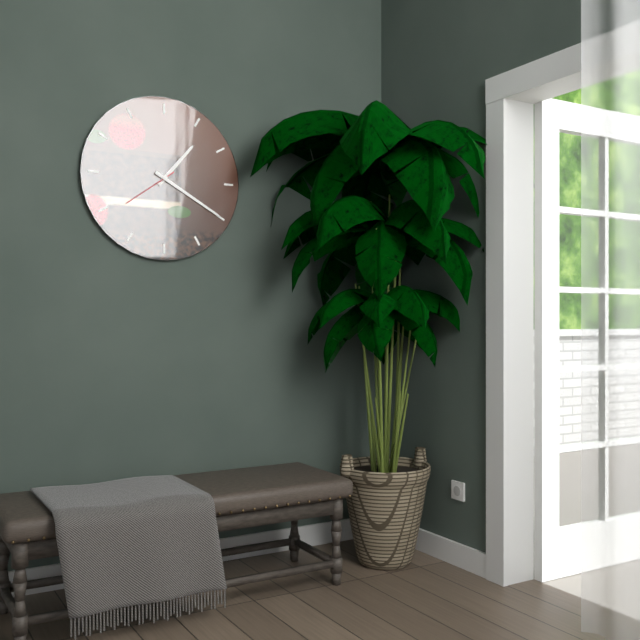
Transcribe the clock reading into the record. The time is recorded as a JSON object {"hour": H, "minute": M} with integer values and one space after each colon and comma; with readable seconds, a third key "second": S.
{"hour": 1, "minute": 20, "second": 39}
